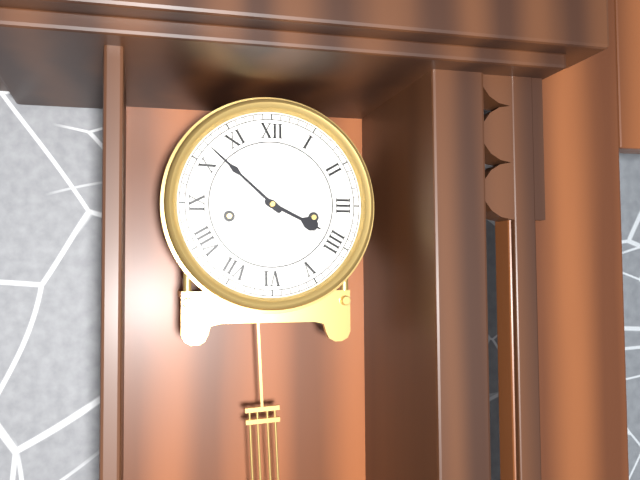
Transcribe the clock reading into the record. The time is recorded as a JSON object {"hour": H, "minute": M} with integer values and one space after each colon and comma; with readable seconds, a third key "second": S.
{"hour": 3, "minute": 52}
